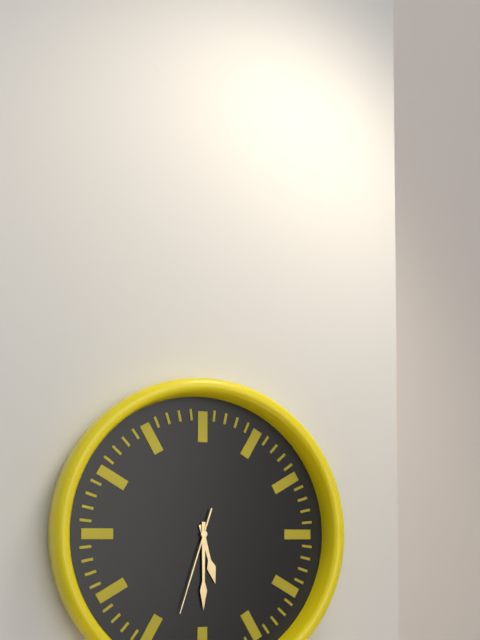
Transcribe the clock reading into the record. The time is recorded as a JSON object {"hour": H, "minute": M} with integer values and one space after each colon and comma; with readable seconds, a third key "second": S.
{"hour": 5, "minute": 30, "second": 33}
